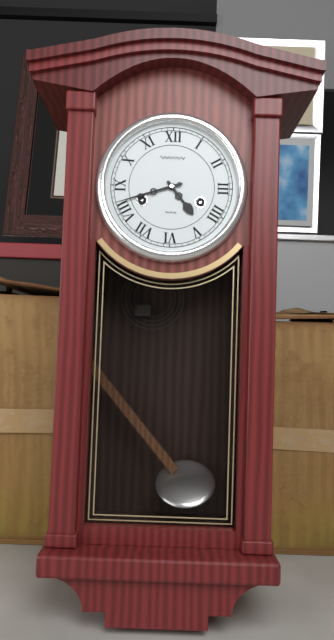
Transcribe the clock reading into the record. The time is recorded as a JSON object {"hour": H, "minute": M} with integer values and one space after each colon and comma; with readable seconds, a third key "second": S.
{"hour": 4, "minute": 42}
